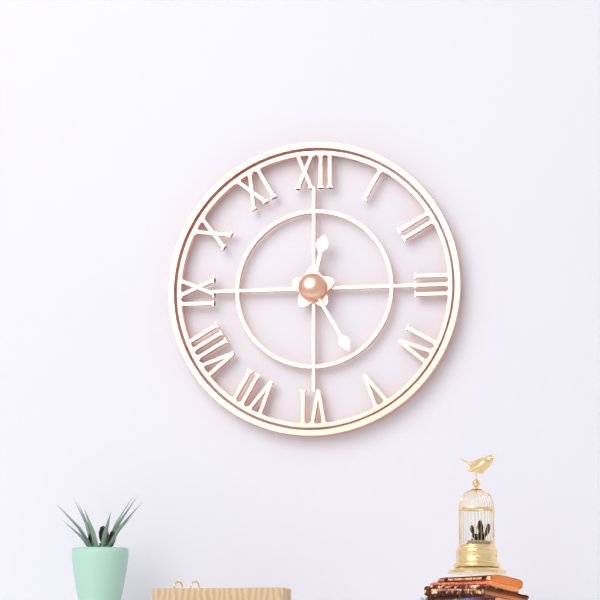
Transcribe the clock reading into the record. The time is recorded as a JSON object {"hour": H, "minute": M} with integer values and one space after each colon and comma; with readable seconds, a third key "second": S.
{"hour": 12, "minute": 25}
